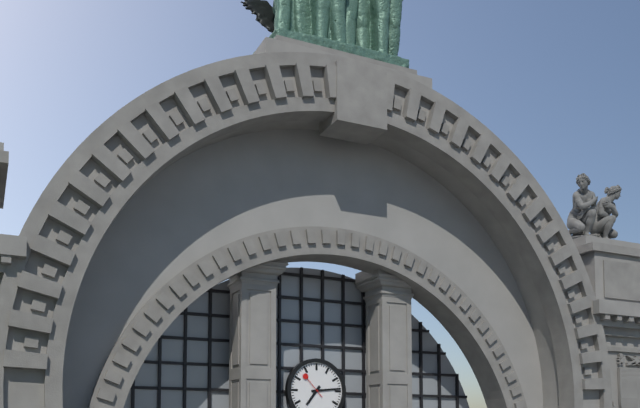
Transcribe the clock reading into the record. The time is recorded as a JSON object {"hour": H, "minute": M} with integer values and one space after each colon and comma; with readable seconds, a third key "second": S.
{"hour": 7, "minute": 14}
